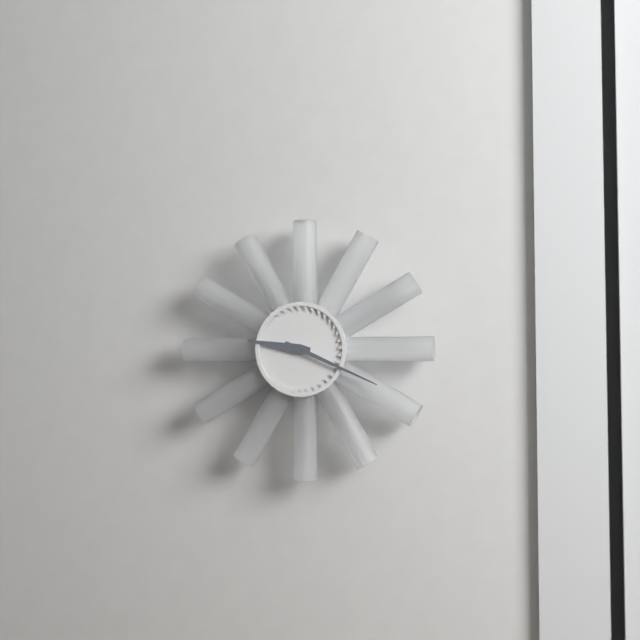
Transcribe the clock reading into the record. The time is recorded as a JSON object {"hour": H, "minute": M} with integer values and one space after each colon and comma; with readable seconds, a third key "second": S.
{"hour": 9, "minute": 19}
